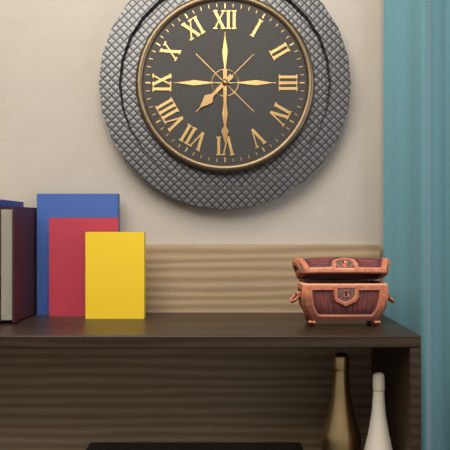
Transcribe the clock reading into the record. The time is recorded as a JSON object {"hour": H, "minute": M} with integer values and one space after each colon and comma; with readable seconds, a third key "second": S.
{"hour": 7, "minute": 30}
